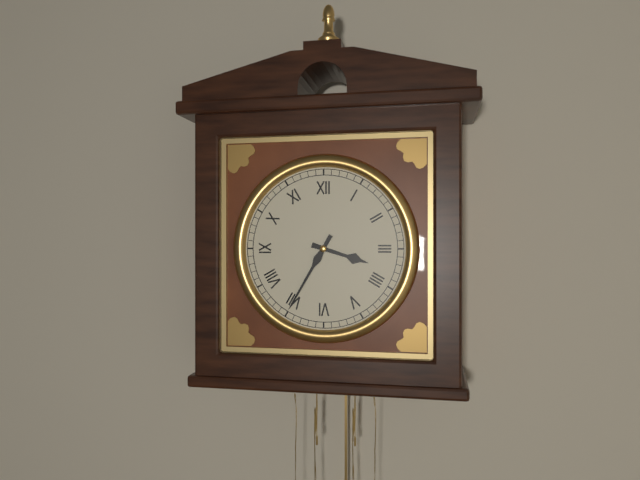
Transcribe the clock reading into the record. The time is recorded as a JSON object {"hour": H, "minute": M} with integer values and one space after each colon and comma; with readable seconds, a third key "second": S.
{"hour": 3, "minute": 35}
